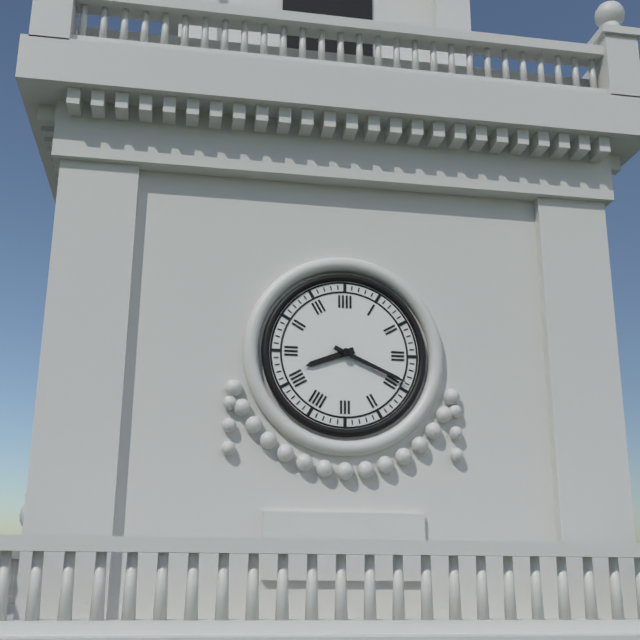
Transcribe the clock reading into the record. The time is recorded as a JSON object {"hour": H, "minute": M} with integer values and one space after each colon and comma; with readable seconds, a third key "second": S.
{"hour": 8, "minute": 19}
